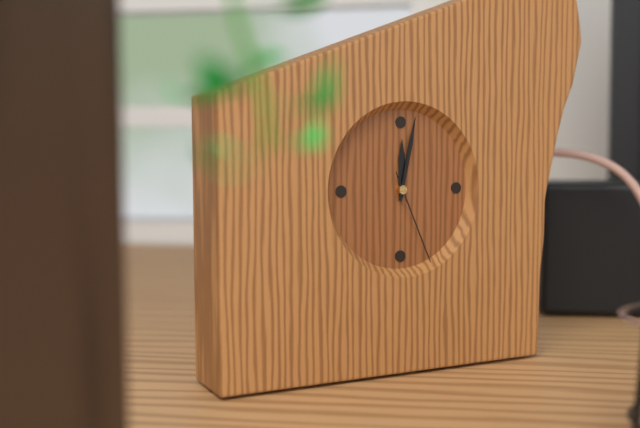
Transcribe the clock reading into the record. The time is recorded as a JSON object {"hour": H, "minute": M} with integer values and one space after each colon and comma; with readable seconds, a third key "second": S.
{"hour": 12, "minute": 2, "second": 26}
